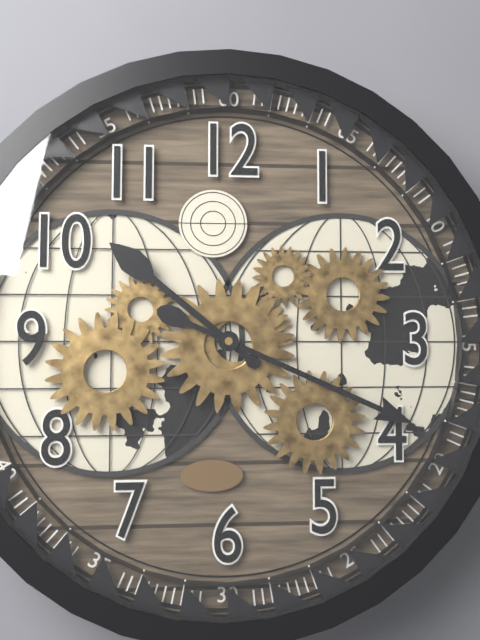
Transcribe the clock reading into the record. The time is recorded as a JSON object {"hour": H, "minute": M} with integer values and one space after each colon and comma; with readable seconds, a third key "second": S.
{"hour": 10, "minute": 19}
